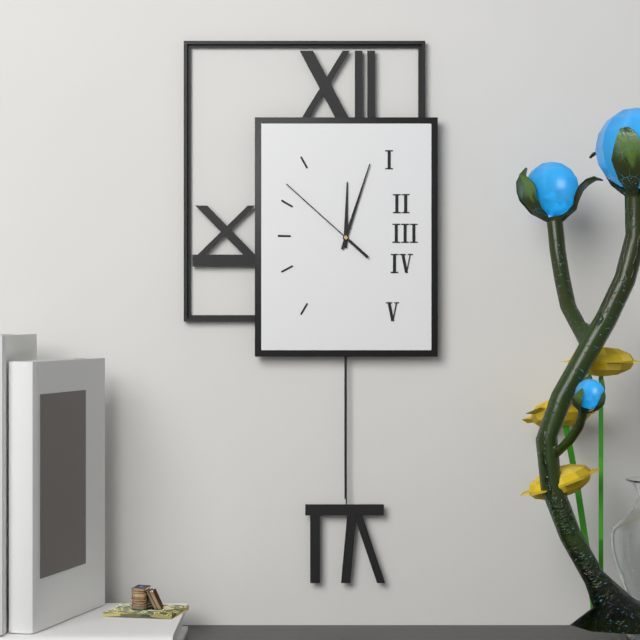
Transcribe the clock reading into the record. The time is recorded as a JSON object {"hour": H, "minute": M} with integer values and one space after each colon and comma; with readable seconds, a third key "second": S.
{"hour": 12, "minute": 3, "second": 52}
